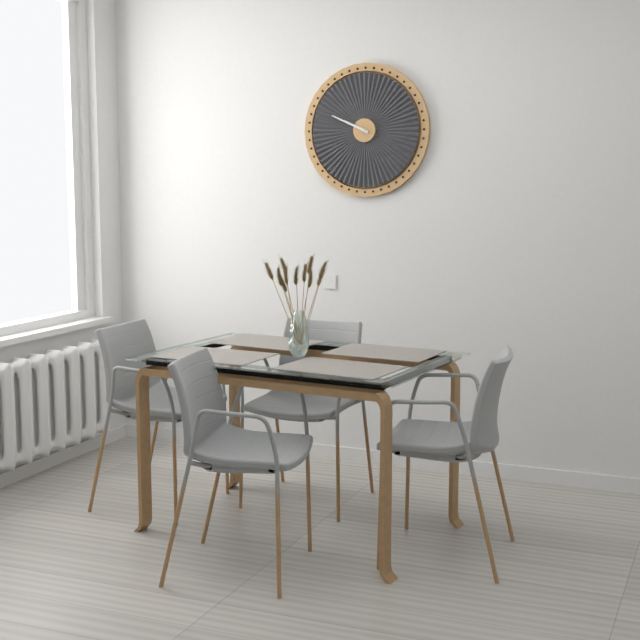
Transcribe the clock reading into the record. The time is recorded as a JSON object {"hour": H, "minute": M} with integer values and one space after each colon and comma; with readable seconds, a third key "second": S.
{"hour": 9, "minute": 49}
